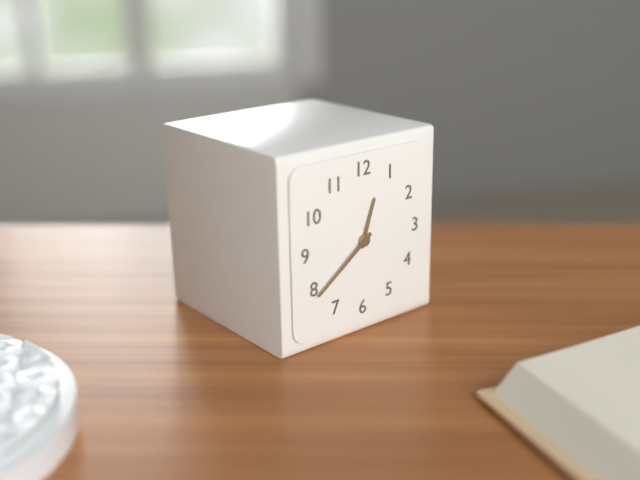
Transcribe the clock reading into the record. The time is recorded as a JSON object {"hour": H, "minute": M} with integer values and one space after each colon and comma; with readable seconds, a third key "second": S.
{"hour": 12, "minute": 39}
